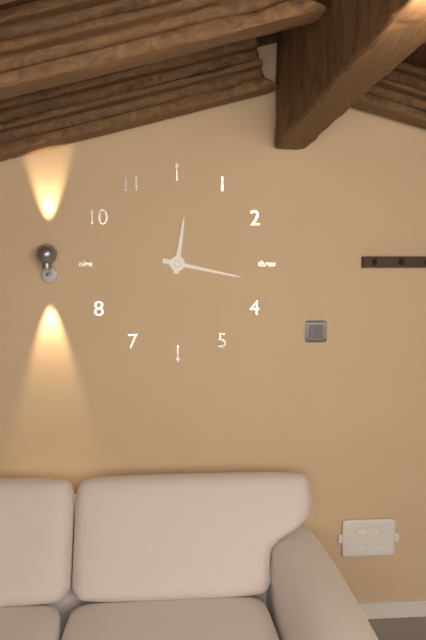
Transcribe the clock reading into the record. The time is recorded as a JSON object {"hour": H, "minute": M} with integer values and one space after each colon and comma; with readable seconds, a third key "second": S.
{"hour": 12, "minute": 17}
